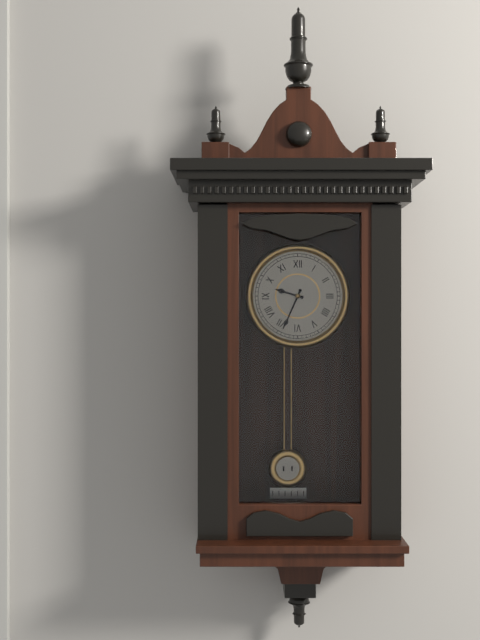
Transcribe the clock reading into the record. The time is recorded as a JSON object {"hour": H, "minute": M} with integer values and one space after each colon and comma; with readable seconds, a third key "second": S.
{"hour": 9, "minute": 34}
